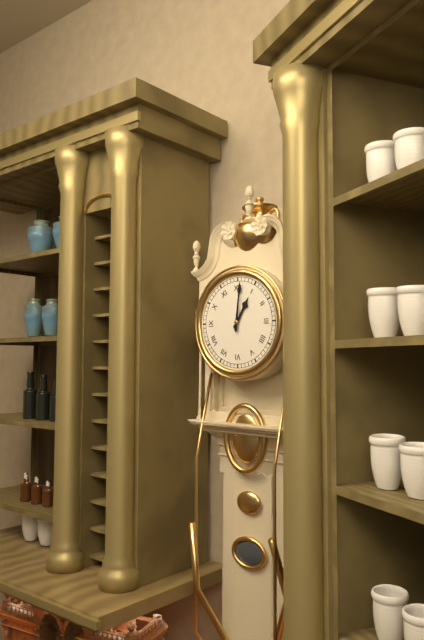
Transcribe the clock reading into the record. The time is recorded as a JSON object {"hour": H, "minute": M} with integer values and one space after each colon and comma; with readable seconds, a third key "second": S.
{"hour": 1, "minute": 1}
